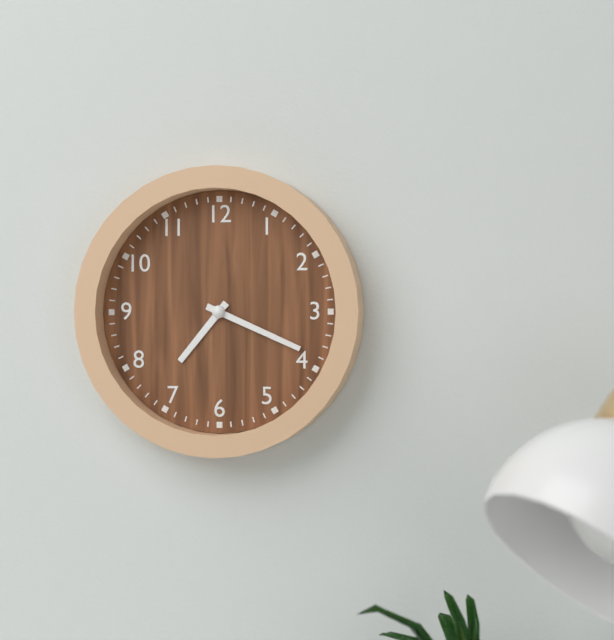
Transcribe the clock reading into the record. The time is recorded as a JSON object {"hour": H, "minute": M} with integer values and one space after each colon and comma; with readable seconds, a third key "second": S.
{"hour": 7, "minute": 19}
